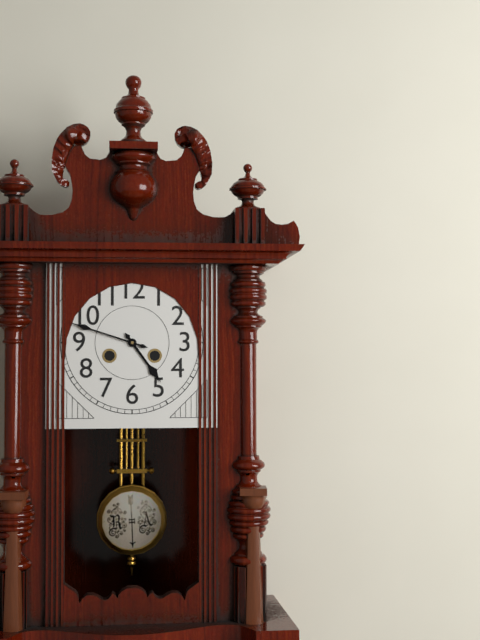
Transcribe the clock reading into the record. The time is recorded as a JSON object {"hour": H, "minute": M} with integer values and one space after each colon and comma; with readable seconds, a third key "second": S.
{"hour": 4, "minute": 48}
